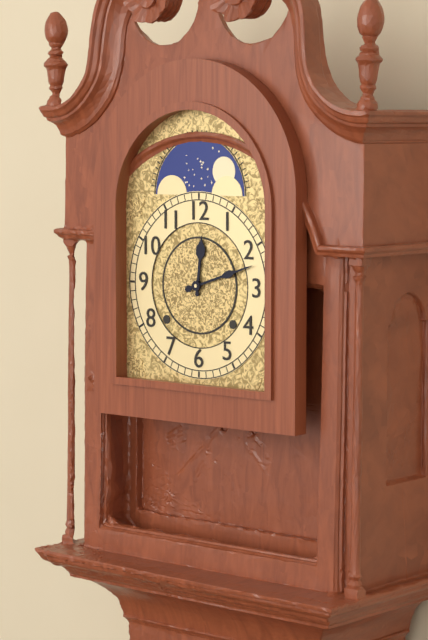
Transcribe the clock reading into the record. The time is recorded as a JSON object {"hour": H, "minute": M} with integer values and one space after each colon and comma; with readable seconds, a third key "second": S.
{"hour": 12, "minute": 12}
